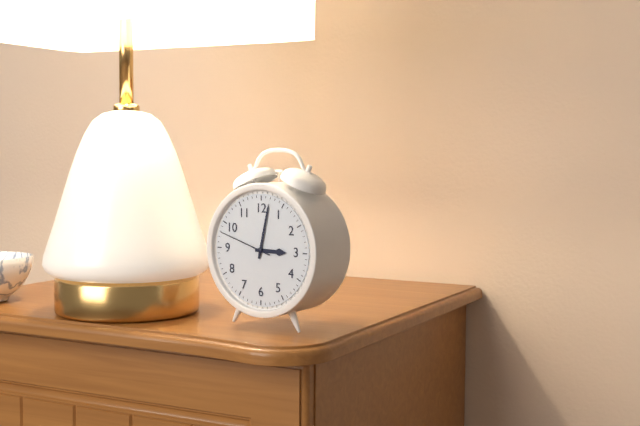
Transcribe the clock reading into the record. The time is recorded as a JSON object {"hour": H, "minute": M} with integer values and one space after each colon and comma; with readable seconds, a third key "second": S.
{"hour": 3, "minute": 2, "second": 48}
